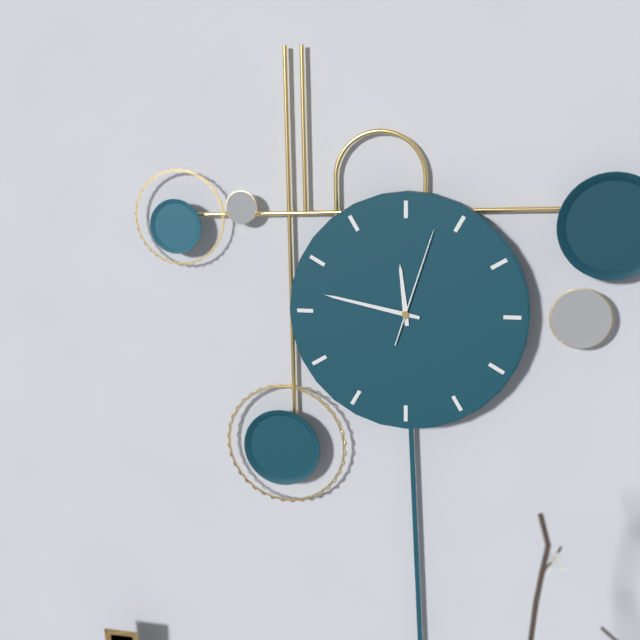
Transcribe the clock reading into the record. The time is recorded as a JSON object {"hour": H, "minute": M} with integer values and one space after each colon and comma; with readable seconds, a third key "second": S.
{"hour": 11, "minute": 47, "second": 3}
